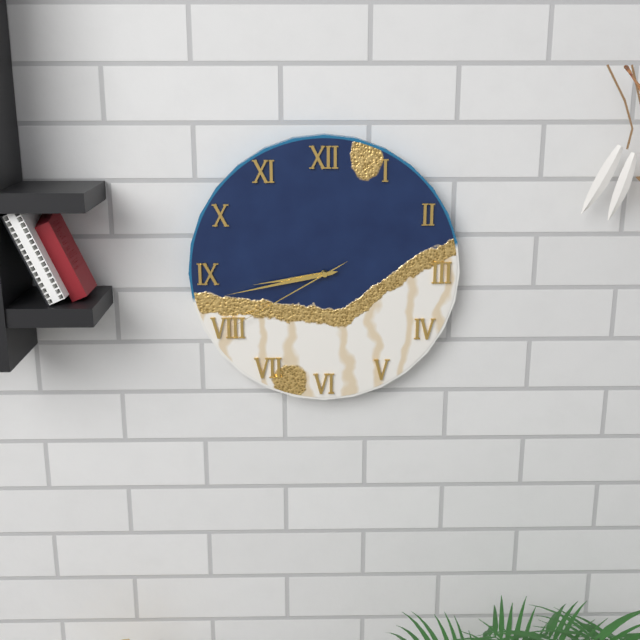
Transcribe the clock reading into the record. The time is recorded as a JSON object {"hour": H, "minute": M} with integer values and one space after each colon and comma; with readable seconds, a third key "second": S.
{"hour": 8, "minute": 43, "second": 40}
